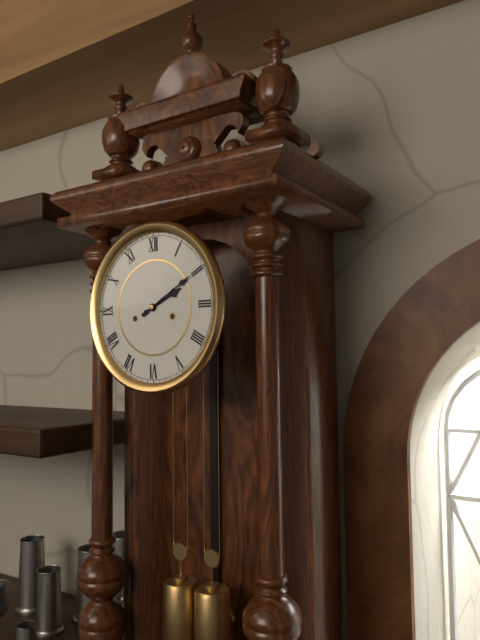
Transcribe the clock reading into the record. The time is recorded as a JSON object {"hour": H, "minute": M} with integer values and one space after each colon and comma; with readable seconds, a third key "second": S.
{"hour": 2, "minute": 10}
